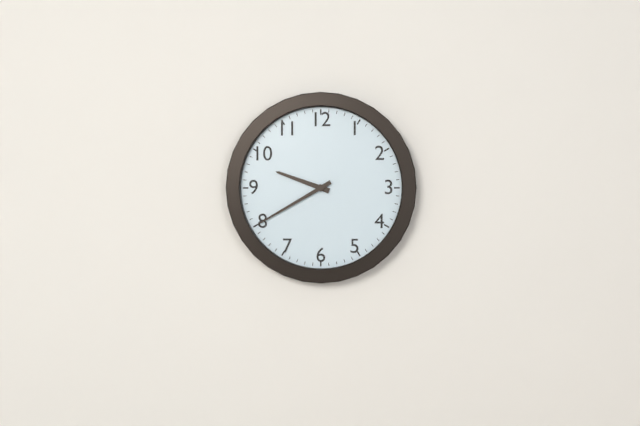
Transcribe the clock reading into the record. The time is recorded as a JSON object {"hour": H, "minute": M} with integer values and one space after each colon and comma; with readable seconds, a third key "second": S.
{"hour": 9, "minute": 40}
